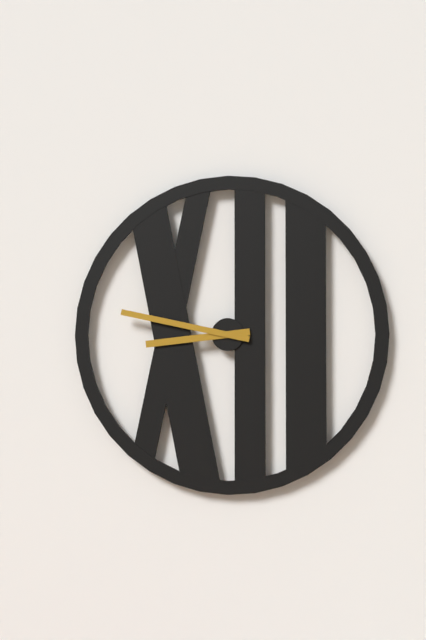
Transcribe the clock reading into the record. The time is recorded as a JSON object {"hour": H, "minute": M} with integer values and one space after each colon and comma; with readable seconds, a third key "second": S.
{"hour": 8, "minute": 47}
